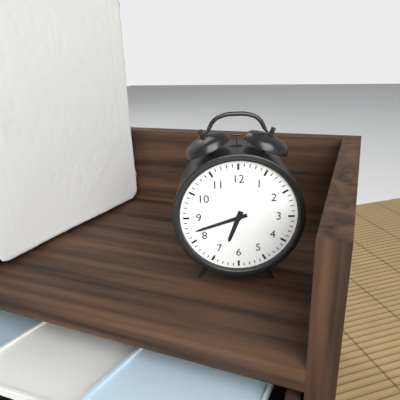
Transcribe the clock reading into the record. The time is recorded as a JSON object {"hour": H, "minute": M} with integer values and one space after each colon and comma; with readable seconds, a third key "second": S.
{"hour": 6, "minute": 42}
